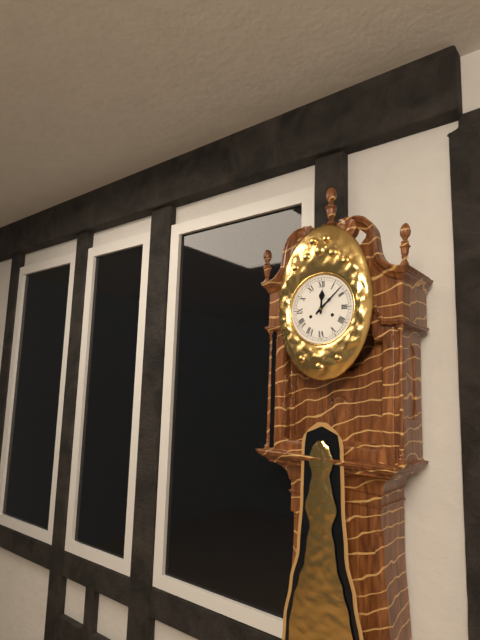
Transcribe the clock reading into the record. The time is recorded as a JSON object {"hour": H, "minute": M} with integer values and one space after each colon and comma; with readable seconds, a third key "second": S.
{"hour": 12, "minute": 8}
